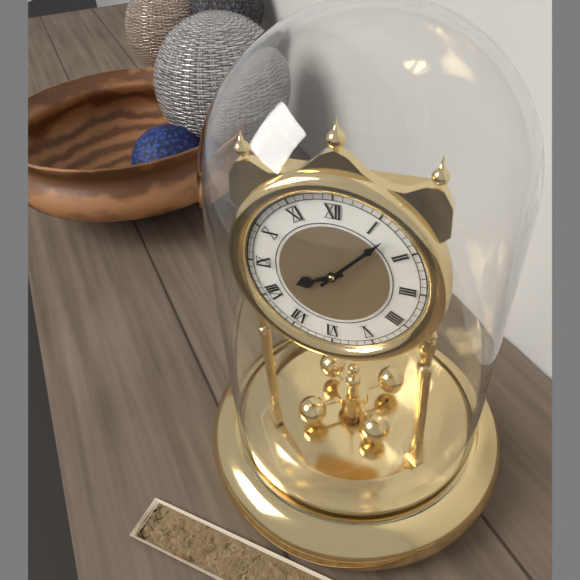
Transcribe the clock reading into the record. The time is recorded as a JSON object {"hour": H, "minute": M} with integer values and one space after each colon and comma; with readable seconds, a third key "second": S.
{"hour": 8, "minute": 7}
